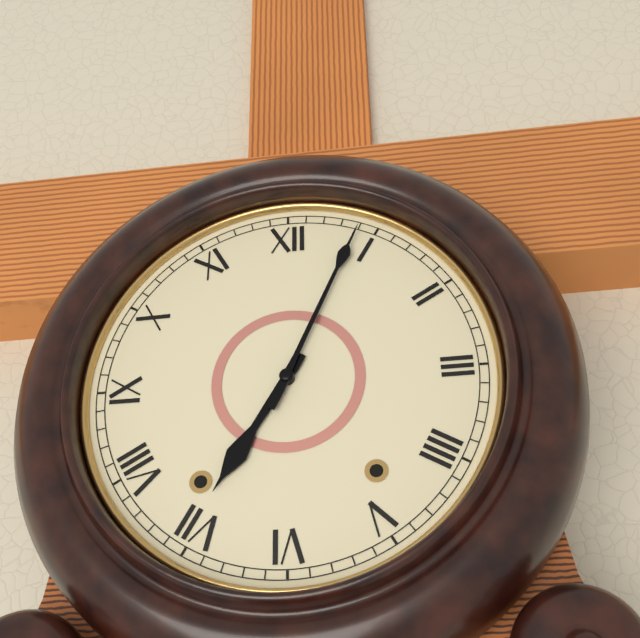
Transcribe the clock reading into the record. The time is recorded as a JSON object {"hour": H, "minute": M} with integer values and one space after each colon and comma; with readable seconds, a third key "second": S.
{"hour": 7, "minute": 4}
